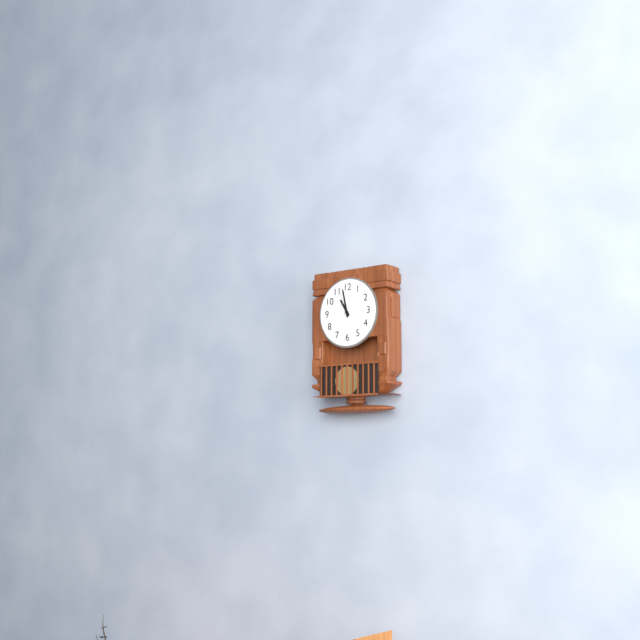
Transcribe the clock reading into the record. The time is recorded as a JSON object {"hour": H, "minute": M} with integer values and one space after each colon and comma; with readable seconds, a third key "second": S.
{"hour": 10, "minute": 58}
